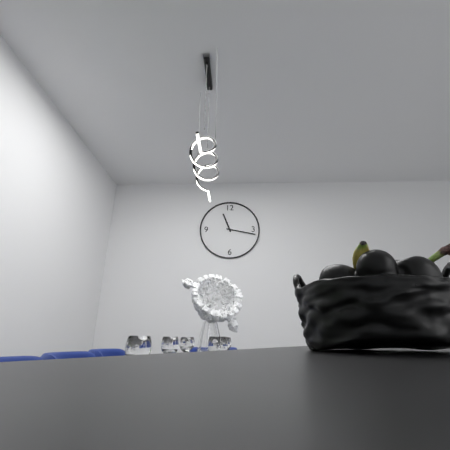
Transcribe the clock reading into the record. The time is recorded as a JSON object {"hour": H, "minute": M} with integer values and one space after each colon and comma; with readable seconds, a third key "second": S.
{"hour": 11, "minute": 17}
